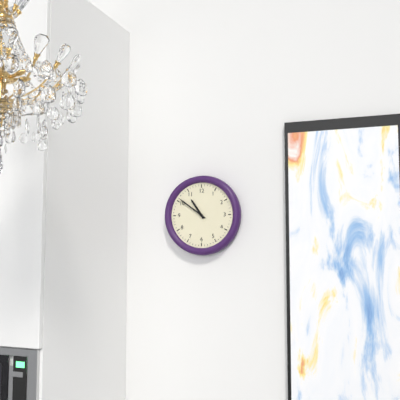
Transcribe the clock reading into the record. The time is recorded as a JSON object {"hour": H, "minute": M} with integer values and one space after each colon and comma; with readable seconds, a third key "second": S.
{"hour": 10, "minute": 51}
